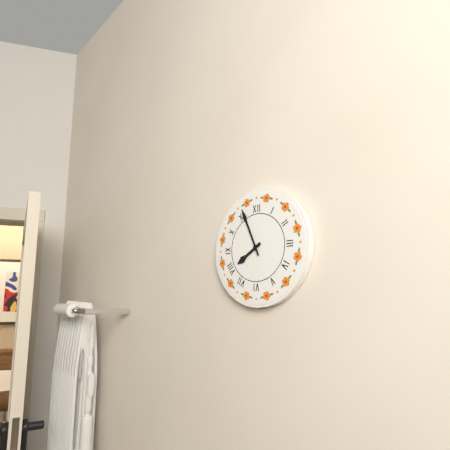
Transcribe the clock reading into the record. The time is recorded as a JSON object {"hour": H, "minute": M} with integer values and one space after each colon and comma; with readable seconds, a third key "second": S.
{"hour": 7, "minute": 56}
